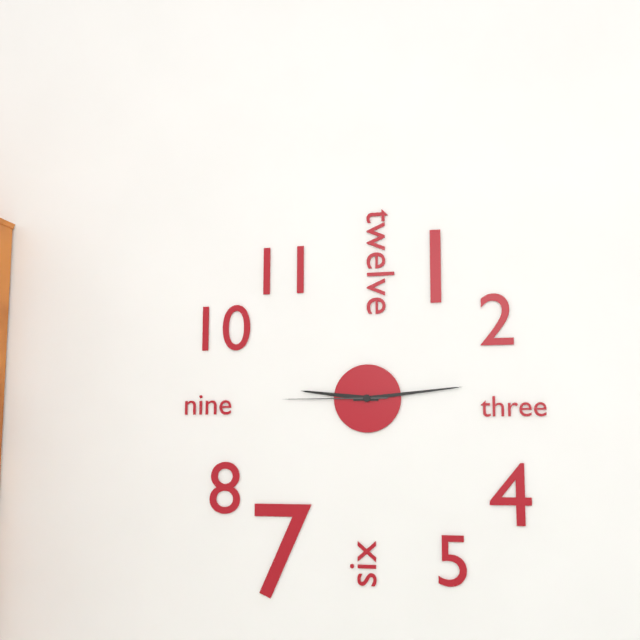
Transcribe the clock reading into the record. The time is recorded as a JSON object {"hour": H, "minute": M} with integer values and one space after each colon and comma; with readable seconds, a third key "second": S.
{"hour": 9, "minute": 14, "second": 45}
